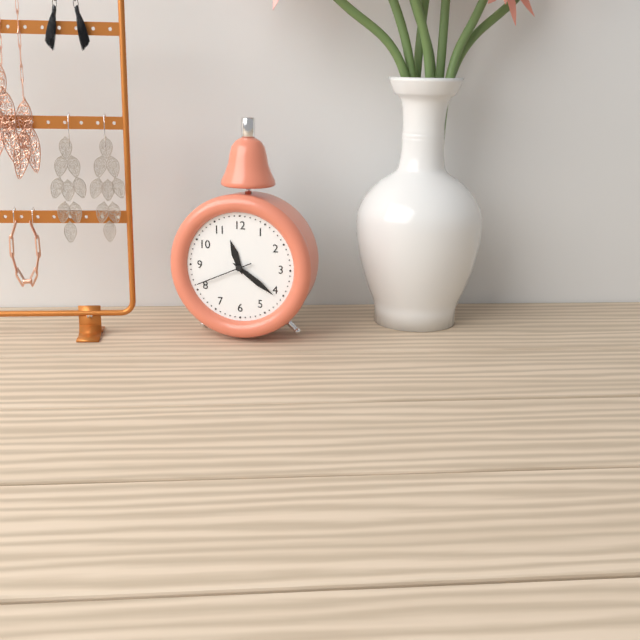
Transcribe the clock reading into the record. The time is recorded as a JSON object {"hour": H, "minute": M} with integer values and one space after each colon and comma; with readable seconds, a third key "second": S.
{"hour": 11, "minute": 21, "second": 41}
